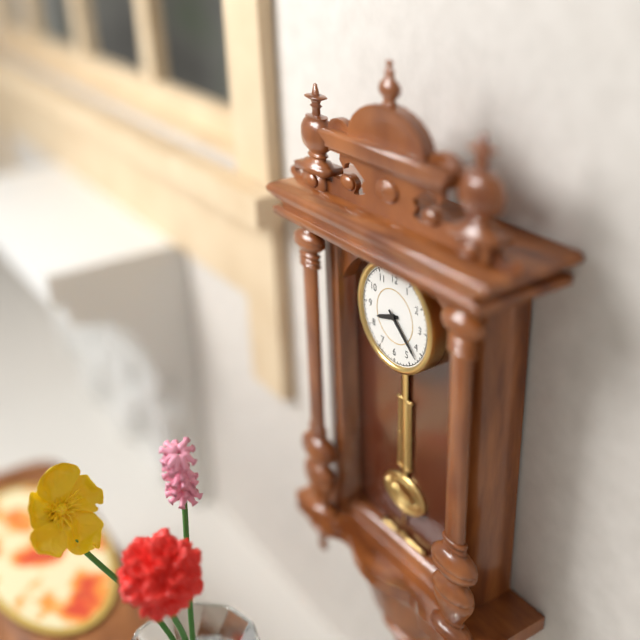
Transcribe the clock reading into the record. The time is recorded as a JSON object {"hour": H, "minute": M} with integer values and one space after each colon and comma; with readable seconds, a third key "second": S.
{"hour": 8, "minute": 22}
